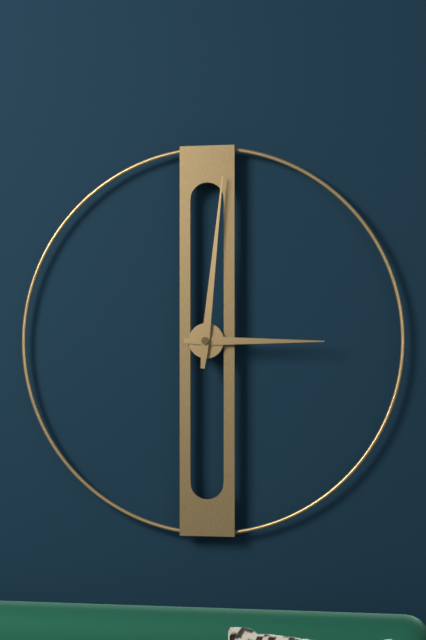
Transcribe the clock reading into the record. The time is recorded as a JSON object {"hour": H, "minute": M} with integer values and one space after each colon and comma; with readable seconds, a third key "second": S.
{"hour": 3, "minute": 1}
